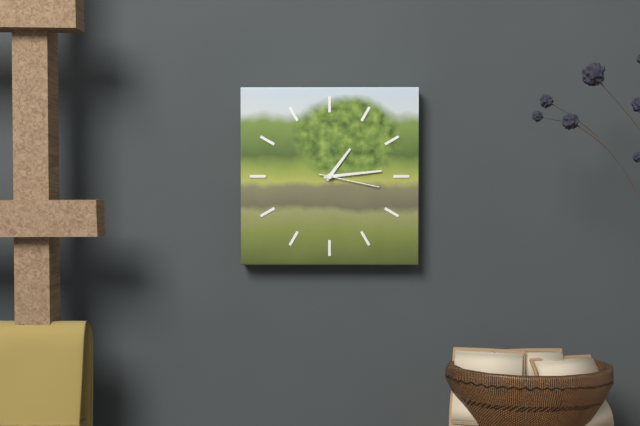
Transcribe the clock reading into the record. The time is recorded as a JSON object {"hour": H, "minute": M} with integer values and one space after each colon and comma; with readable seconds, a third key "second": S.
{"hour": 1, "minute": 14, "second": 17}
